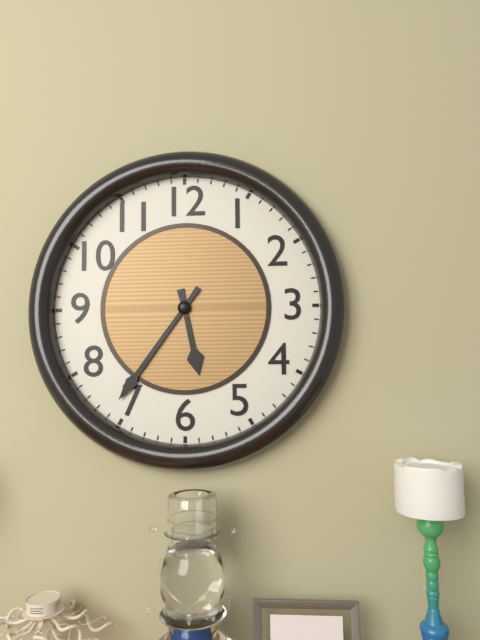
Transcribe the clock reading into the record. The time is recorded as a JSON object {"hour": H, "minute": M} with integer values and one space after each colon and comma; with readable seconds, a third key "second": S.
{"hour": 5, "minute": 36}
